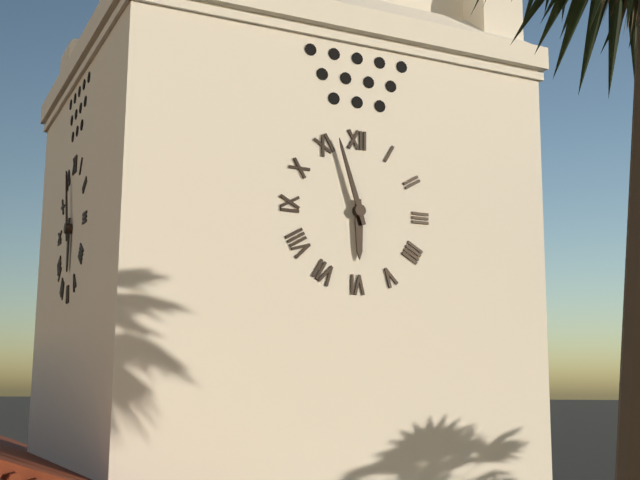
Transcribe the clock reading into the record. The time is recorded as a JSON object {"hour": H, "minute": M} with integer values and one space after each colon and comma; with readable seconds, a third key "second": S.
{"hour": 5, "minute": 57}
